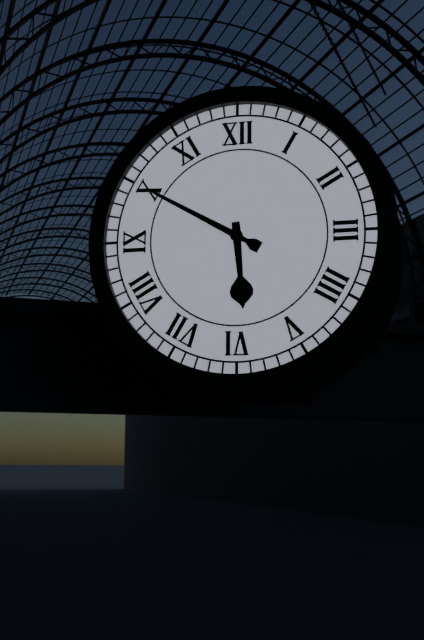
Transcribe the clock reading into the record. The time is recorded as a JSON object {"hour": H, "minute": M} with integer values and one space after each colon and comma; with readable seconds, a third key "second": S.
{"hour": 5, "minute": 50}
